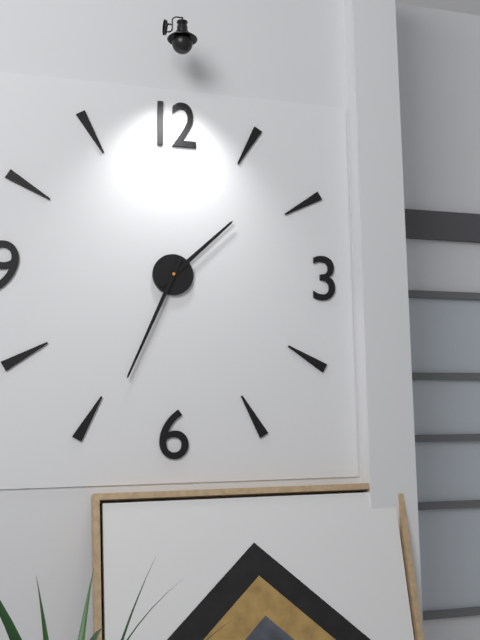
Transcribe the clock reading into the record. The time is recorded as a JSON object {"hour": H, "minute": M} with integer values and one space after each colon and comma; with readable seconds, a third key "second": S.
{"hour": 1, "minute": 34}
